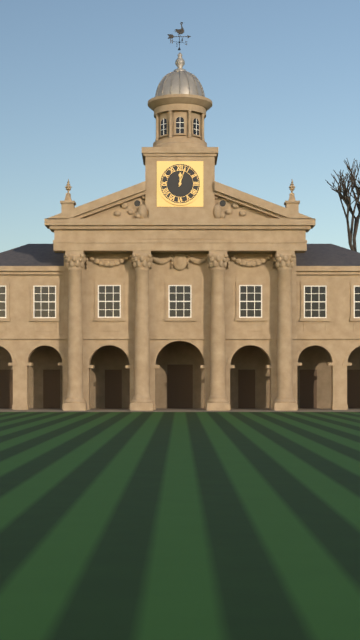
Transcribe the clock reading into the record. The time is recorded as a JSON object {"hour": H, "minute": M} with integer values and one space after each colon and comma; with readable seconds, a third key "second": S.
{"hour": 12, "minute": 3}
